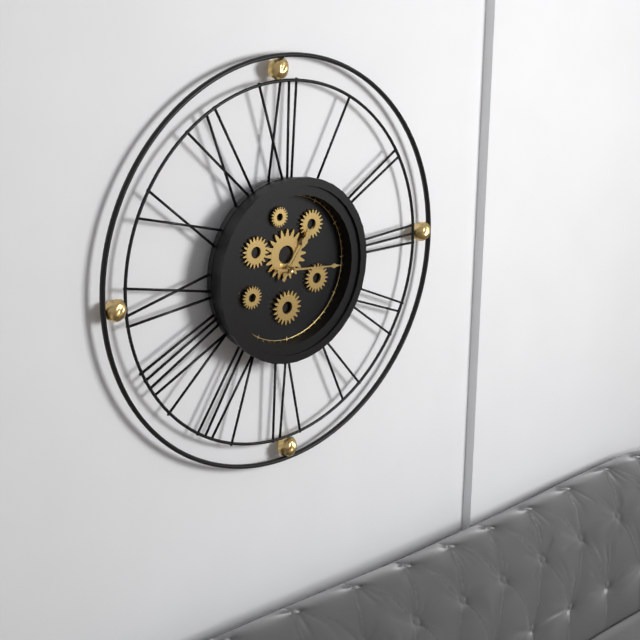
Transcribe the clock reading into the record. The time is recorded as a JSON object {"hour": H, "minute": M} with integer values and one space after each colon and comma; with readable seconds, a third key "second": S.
{"hour": 1, "minute": 16}
